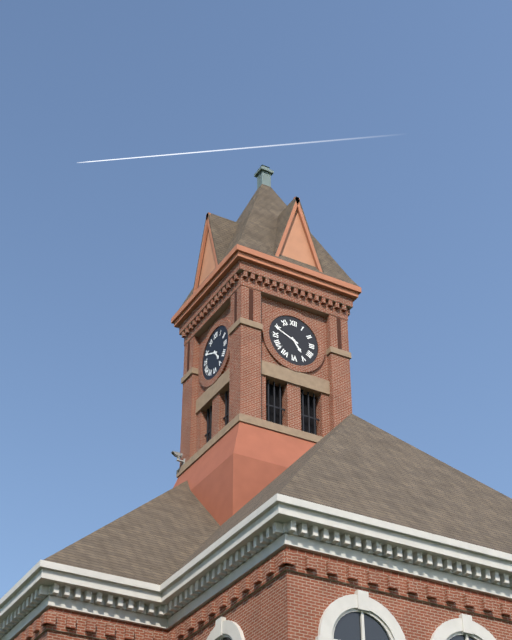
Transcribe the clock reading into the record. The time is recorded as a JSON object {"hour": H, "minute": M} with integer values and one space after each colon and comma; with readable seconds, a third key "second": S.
{"hour": 4, "minute": 49}
